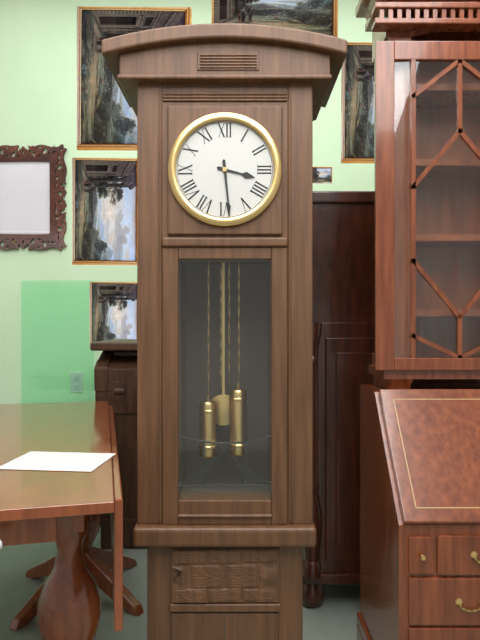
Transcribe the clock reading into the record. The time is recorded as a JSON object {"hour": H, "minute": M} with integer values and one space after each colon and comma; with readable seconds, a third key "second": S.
{"hour": 3, "minute": 29}
